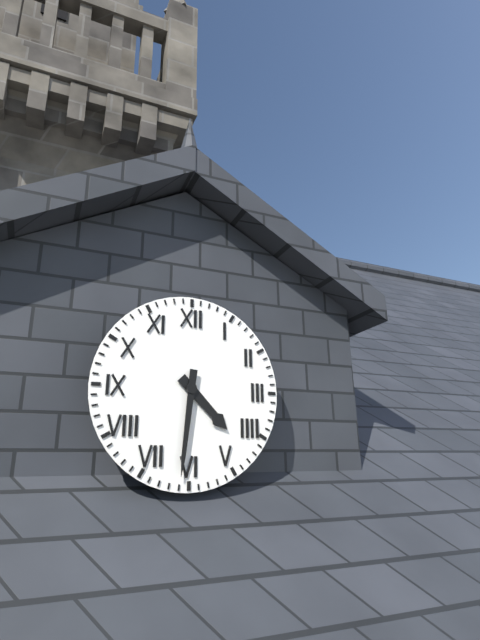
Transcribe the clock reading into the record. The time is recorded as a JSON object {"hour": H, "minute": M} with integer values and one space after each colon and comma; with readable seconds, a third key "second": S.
{"hour": 4, "minute": 31}
